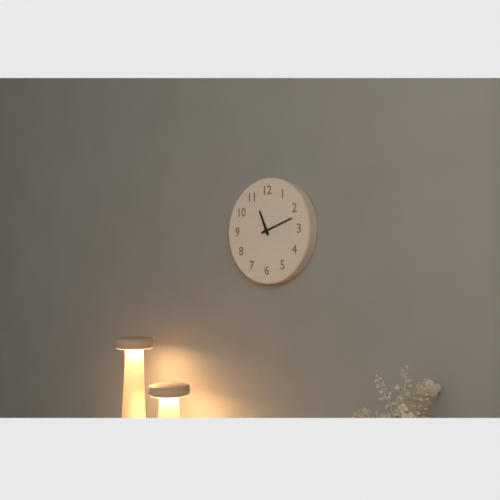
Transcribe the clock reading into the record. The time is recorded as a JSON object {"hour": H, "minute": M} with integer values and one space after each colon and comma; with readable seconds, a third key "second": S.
{"hour": 11, "minute": 12}
